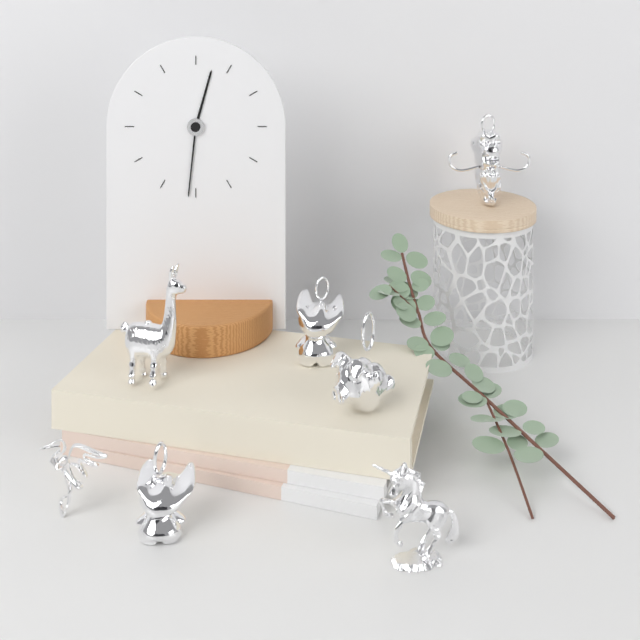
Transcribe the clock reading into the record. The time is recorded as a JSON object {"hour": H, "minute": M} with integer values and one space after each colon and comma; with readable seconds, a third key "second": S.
{"hour": 12, "minute": 31}
